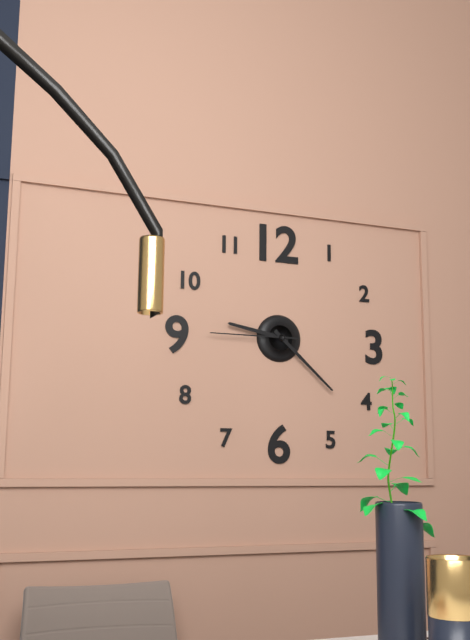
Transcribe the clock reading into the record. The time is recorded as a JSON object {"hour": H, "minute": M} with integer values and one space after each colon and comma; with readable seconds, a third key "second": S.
{"hour": 9, "minute": 22, "second": 45}
